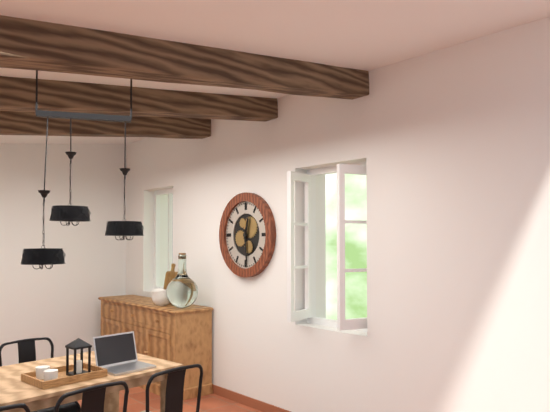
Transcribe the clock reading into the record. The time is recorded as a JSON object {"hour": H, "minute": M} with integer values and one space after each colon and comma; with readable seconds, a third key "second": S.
{"hour": 12, "minute": 29}
